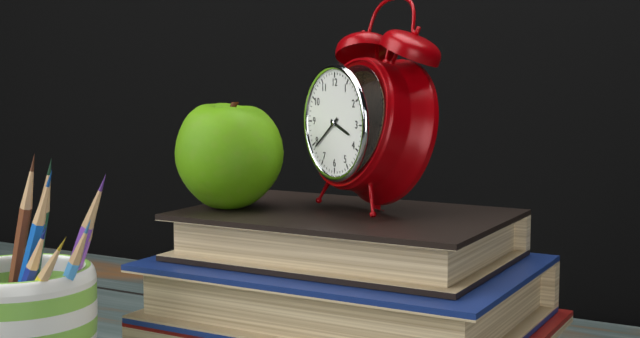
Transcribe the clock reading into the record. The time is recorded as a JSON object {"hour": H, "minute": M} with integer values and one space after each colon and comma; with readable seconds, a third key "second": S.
{"hour": 3, "minute": 39}
